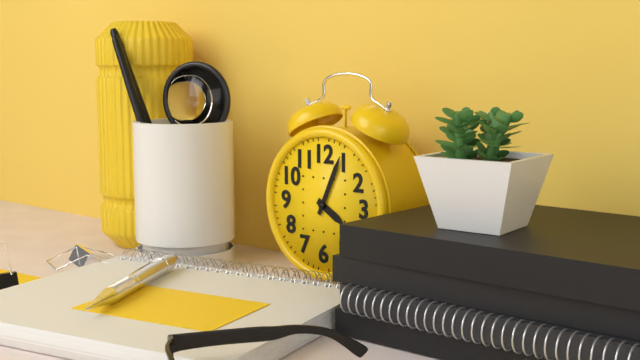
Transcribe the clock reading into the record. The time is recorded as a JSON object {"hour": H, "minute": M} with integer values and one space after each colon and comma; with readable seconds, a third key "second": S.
{"hour": 4, "minute": 4}
